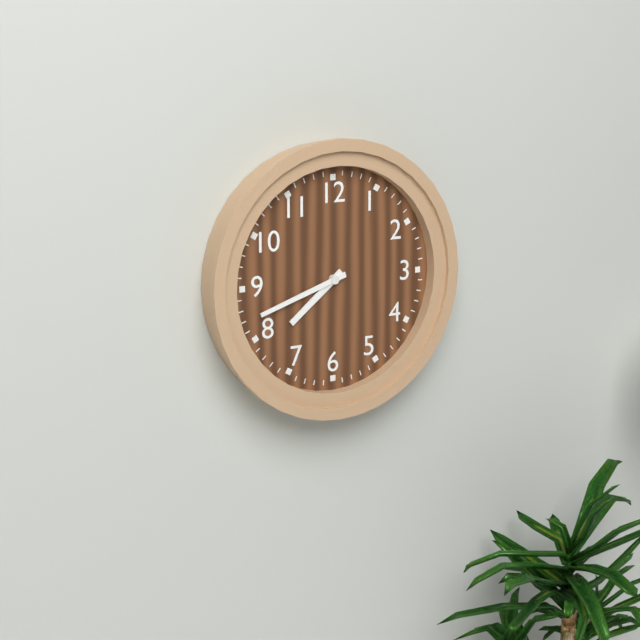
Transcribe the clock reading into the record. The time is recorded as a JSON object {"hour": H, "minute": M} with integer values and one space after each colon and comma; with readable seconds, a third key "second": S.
{"hour": 7, "minute": 42}
